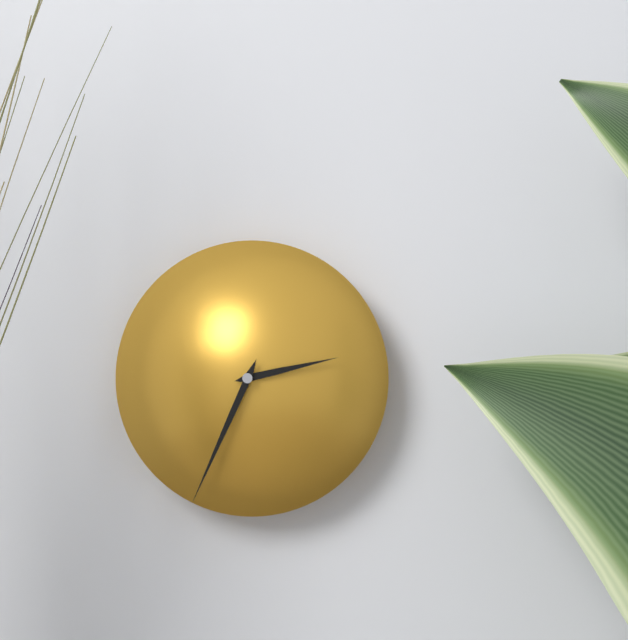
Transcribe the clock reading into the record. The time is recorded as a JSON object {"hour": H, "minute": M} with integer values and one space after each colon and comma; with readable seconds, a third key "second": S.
{"hour": 2, "minute": 34}
